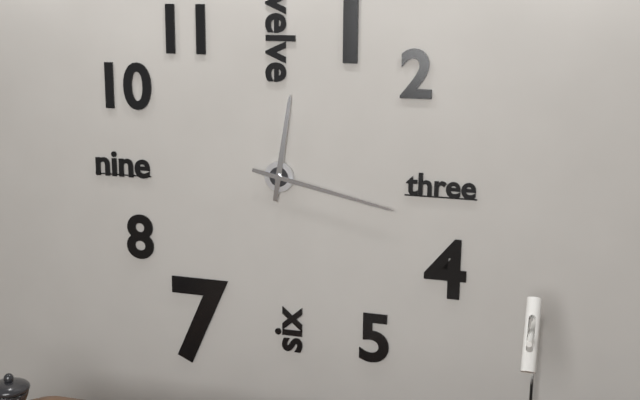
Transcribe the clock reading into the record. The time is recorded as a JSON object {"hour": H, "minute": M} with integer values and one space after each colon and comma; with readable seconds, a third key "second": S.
{"hour": 12, "minute": 17}
